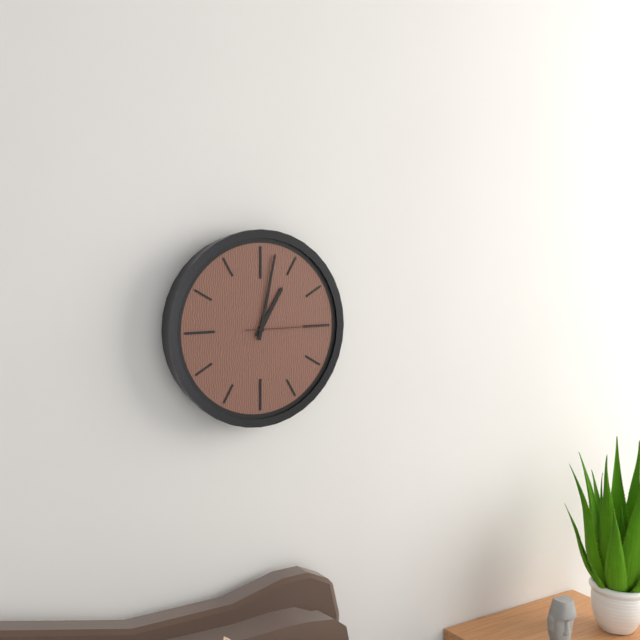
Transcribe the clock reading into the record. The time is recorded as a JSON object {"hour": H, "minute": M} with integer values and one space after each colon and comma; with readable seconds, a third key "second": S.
{"hour": 1, "minute": 2, "second": 15}
